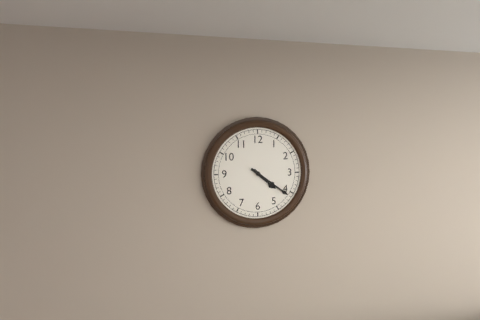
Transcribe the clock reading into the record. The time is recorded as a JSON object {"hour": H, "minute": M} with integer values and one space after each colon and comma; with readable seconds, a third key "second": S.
{"hour": 4, "minute": 21}
